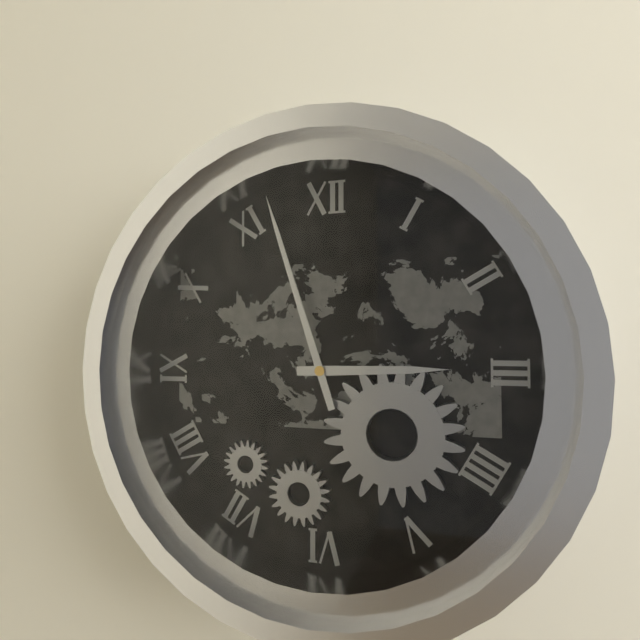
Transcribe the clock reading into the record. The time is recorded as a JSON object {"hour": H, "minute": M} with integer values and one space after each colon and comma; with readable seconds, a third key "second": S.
{"hour": 2, "minute": 57}
